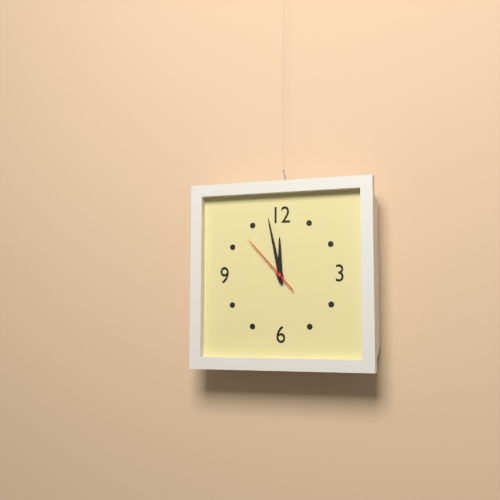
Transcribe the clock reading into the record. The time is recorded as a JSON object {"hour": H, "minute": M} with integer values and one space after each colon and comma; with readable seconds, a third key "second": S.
{"hour": 11, "minute": 58, "second": 53}
